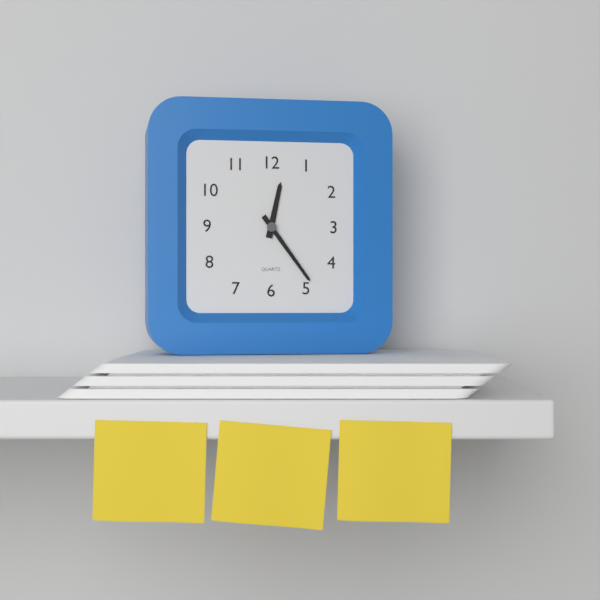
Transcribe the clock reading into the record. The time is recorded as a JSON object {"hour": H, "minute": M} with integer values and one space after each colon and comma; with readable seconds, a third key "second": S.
{"hour": 12, "minute": 24}
